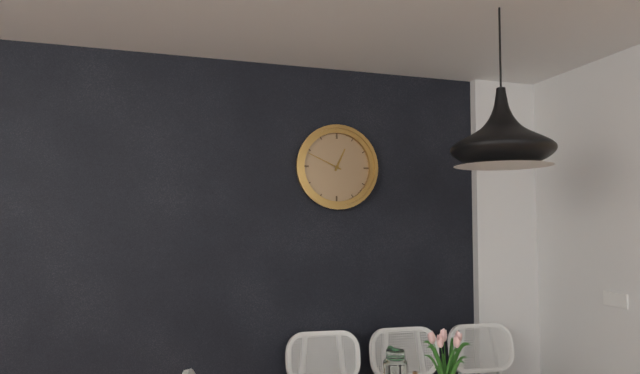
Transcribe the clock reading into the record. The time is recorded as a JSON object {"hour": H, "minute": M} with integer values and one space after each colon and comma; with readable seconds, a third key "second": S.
{"hour": 12, "minute": 49}
